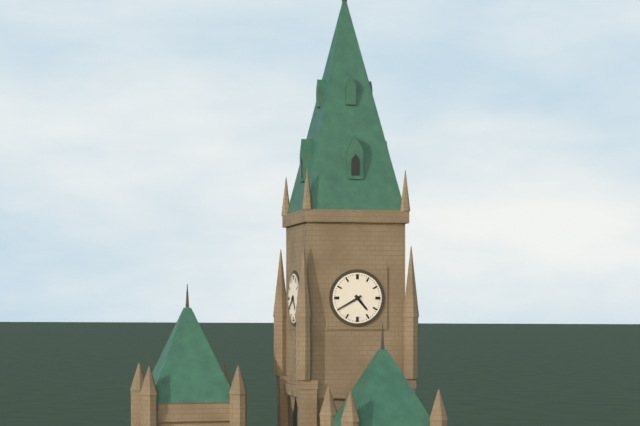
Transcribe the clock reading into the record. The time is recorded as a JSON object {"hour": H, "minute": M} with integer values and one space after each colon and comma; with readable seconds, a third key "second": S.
{"hour": 4, "minute": 40}
